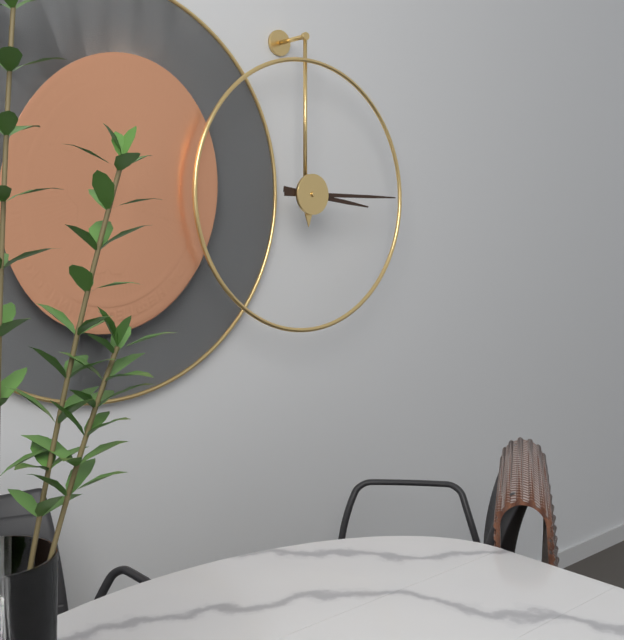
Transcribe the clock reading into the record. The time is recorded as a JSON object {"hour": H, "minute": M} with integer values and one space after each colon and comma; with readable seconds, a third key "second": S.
{"hour": 3, "minute": 15}
